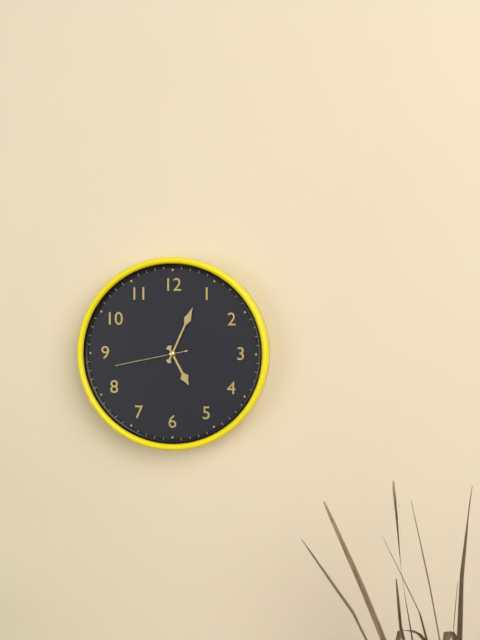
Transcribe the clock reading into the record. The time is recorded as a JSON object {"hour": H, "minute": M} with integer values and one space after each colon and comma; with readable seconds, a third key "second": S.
{"hour": 5, "minute": 4, "second": 43}
